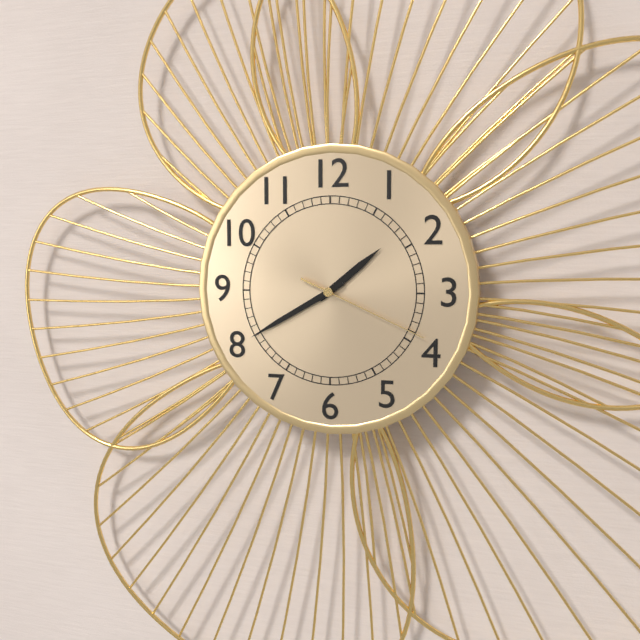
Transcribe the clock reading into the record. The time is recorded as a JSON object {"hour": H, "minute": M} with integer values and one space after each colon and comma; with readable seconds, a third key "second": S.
{"hour": 1, "minute": 40, "second": 19}
